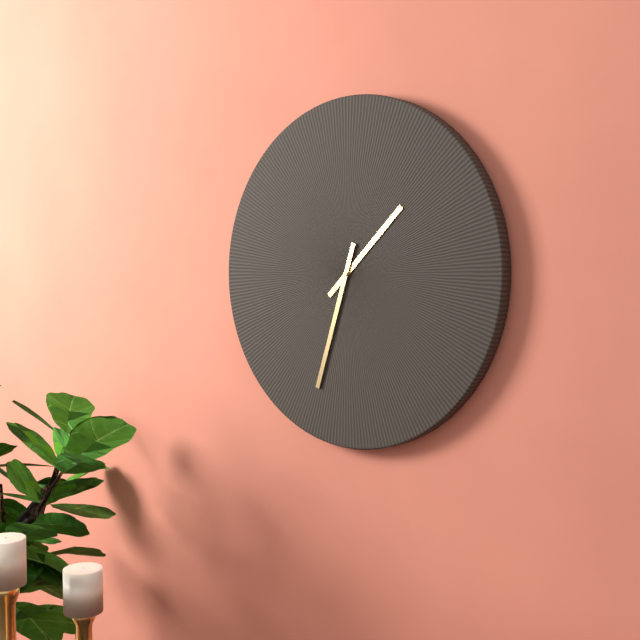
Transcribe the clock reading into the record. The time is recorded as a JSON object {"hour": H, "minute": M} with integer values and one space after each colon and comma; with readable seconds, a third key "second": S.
{"hour": 1, "minute": 33}
